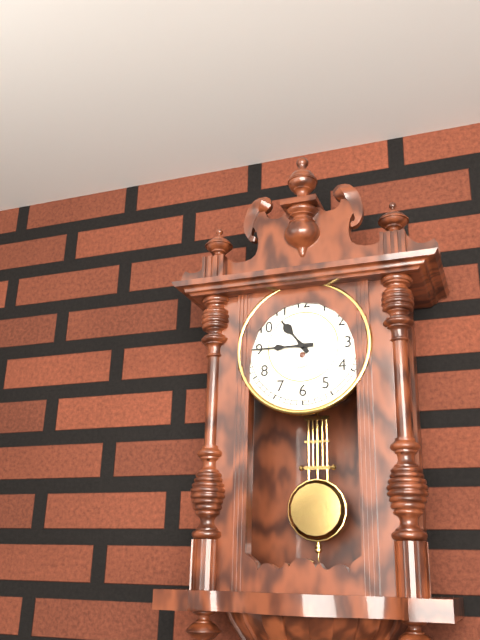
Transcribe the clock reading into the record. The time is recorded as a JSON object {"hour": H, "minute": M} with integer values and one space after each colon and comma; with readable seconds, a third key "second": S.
{"hour": 10, "minute": 45}
